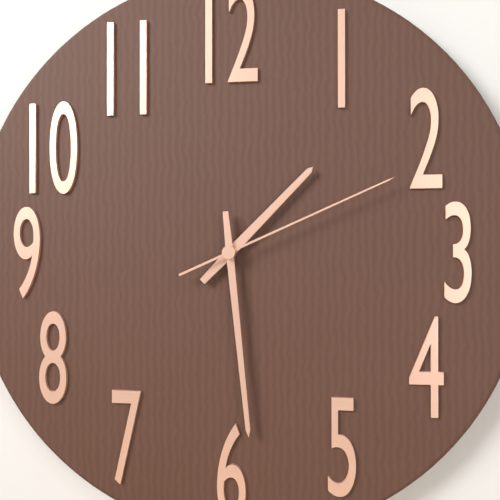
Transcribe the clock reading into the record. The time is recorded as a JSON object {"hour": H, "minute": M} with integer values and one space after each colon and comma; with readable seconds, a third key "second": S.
{"hour": 1, "minute": 29, "second": 11}
